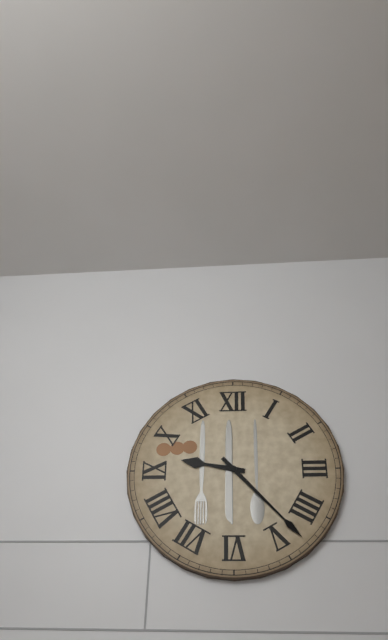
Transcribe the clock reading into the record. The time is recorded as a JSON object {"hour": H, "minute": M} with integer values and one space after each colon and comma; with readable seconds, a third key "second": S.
{"hour": 9, "minute": 23}
